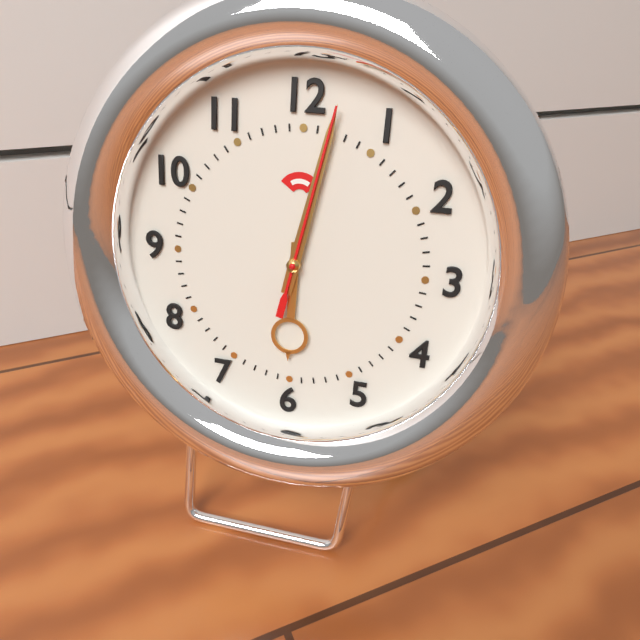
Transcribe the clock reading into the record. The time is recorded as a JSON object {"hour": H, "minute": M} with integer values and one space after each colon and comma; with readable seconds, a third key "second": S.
{"hour": 6, "minute": 2, "second": 2}
